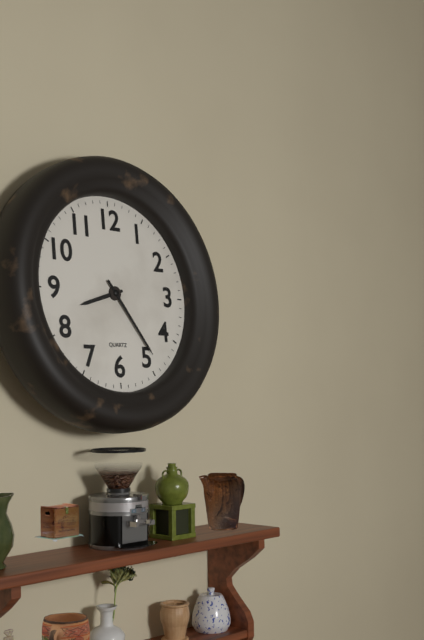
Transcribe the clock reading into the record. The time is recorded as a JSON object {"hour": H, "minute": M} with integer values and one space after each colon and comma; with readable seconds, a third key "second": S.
{"hour": 8, "minute": 24}
